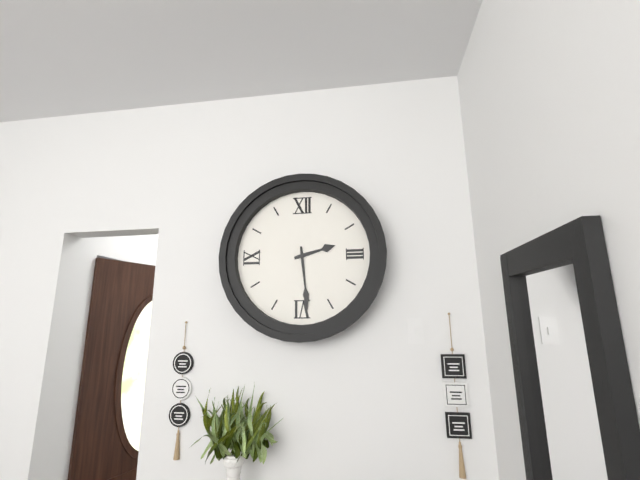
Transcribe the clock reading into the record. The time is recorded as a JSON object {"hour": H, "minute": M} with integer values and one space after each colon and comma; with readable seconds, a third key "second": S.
{"hour": 2, "minute": 29}
